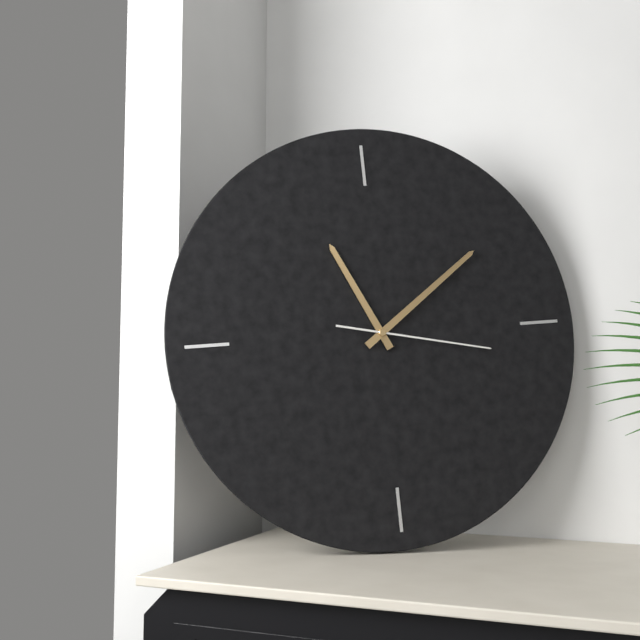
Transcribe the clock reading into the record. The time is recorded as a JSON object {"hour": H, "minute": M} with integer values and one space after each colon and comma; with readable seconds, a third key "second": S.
{"hour": 11, "minute": 9, "second": 17}
